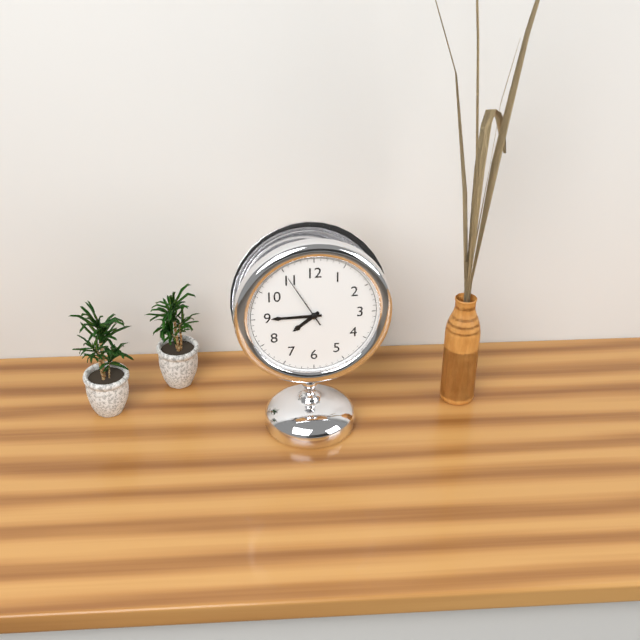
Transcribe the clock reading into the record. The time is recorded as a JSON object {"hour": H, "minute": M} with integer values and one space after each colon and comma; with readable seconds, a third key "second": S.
{"hour": 7, "minute": 45, "second": 55}
